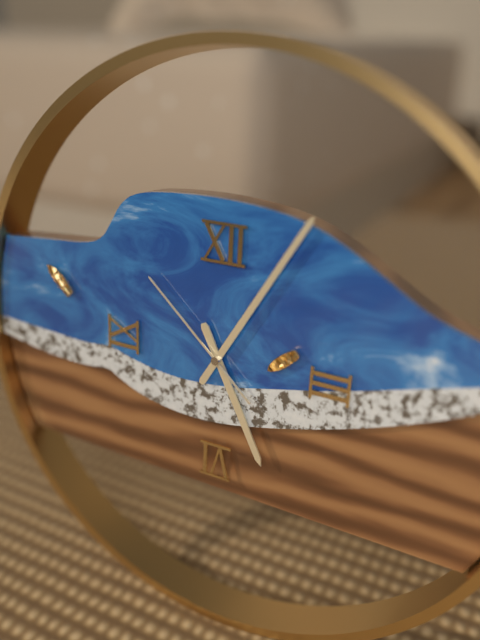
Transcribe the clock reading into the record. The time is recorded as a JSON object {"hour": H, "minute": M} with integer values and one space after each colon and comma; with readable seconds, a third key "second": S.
{"hour": 5, "minute": 5, "second": 52}
